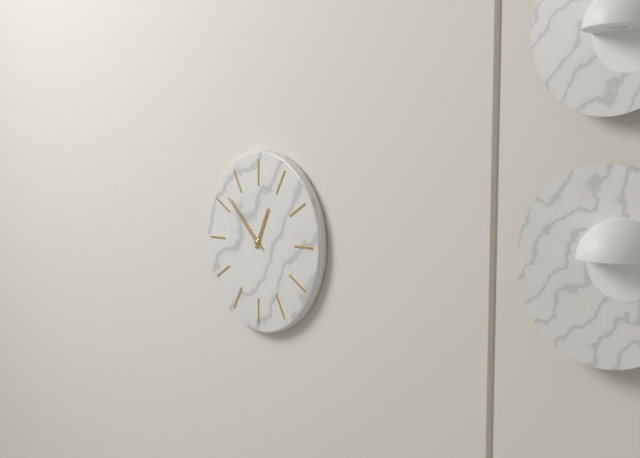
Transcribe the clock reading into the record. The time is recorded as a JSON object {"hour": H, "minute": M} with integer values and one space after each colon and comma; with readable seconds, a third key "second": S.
{"hour": 12, "minute": 52}
